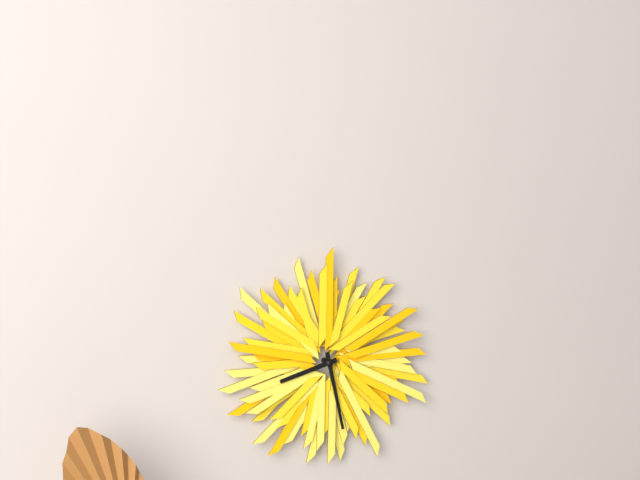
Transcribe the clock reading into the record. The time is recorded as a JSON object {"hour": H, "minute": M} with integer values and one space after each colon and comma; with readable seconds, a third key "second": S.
{"hour": 8, "minute": 28}
